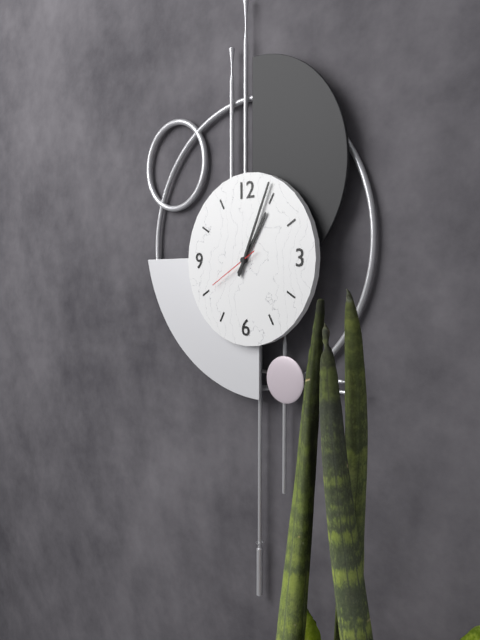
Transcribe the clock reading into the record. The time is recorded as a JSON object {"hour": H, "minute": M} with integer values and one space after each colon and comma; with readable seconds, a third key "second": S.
{"hour": 1, "minute": 4}
